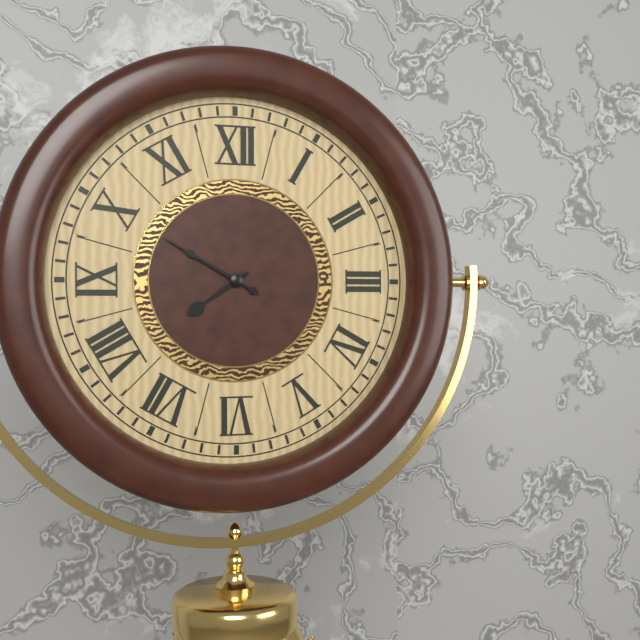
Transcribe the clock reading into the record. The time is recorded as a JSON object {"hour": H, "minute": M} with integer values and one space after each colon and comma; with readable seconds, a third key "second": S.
{"hour": 7, "minute": 50}
